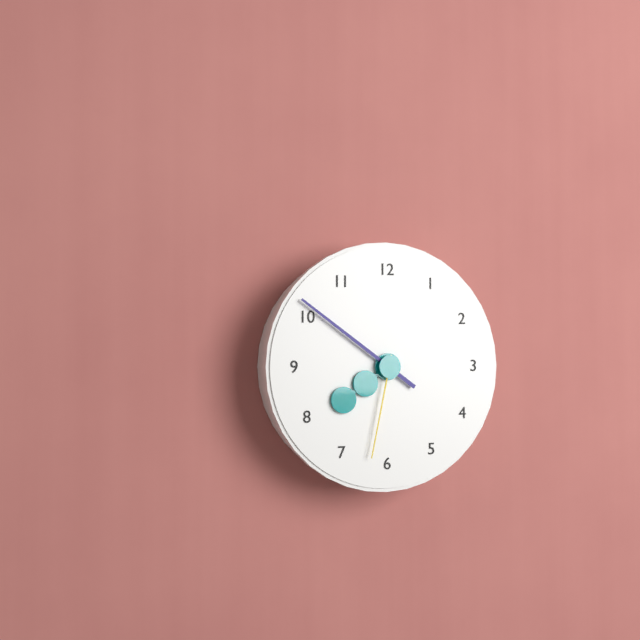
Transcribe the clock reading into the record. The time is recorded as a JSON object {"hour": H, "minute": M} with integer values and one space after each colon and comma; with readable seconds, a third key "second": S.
{"hour": 7, "minute": 51, "second": 32}
